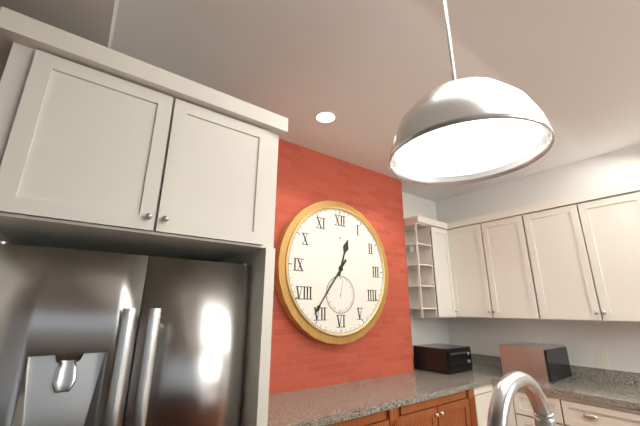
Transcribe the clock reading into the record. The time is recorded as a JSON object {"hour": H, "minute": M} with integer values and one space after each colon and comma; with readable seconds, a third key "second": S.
{"hour": 12, "minute": 36}
